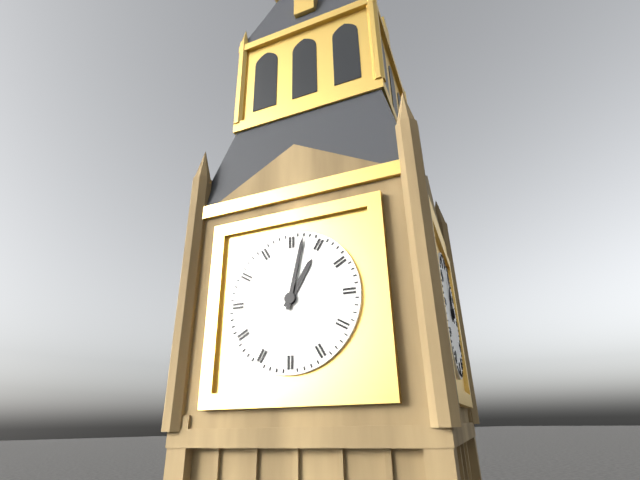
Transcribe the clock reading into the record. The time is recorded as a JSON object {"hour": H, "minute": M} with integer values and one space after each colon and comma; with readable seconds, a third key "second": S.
{"hour": 1, "minute": 2}
